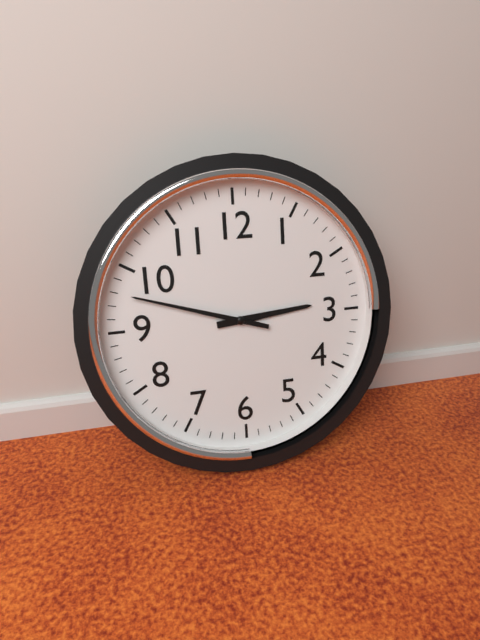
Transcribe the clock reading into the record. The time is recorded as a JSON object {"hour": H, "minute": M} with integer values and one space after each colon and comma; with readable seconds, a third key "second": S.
{"hour": 2, "minute": 48}
